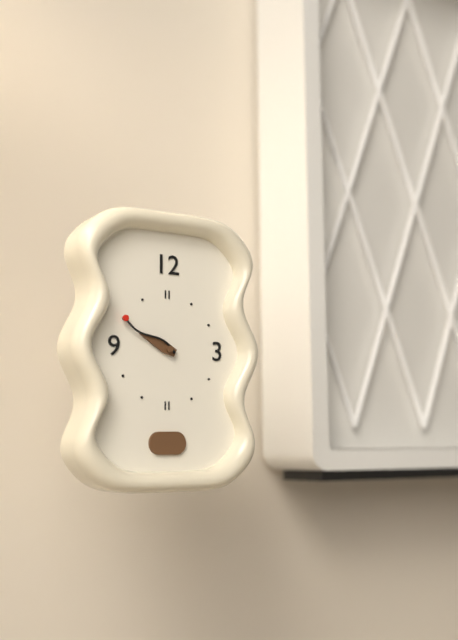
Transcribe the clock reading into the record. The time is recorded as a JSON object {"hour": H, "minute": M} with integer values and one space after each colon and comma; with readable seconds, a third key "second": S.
{"hour": 9, "minute": 50}
